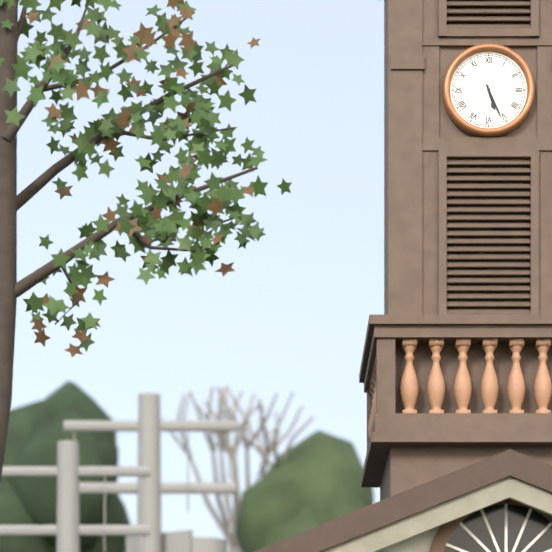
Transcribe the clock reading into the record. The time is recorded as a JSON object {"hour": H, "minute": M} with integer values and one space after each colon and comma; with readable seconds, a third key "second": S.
{"hour": 5, "minute": 26}
